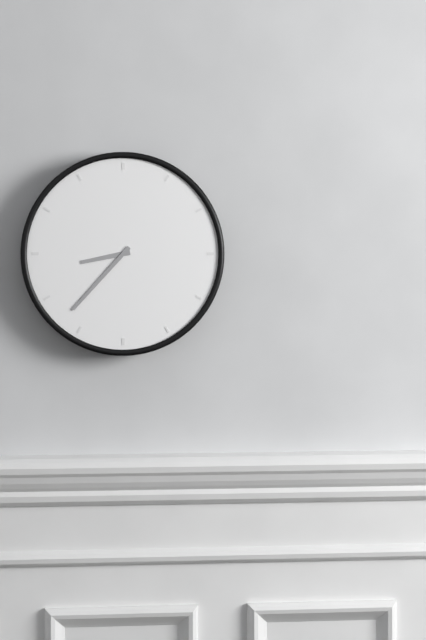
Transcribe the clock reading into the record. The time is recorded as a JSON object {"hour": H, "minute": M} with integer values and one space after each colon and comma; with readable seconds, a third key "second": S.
{"hour": 8, "minute": 37}
